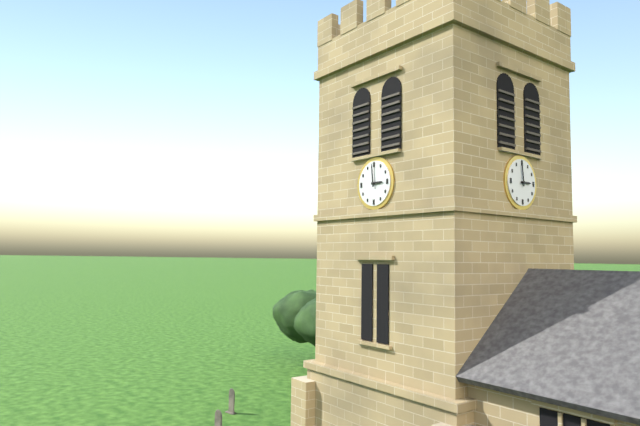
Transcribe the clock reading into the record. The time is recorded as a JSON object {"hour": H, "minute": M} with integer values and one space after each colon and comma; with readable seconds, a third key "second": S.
{"hour": 2, "minute": 59}
